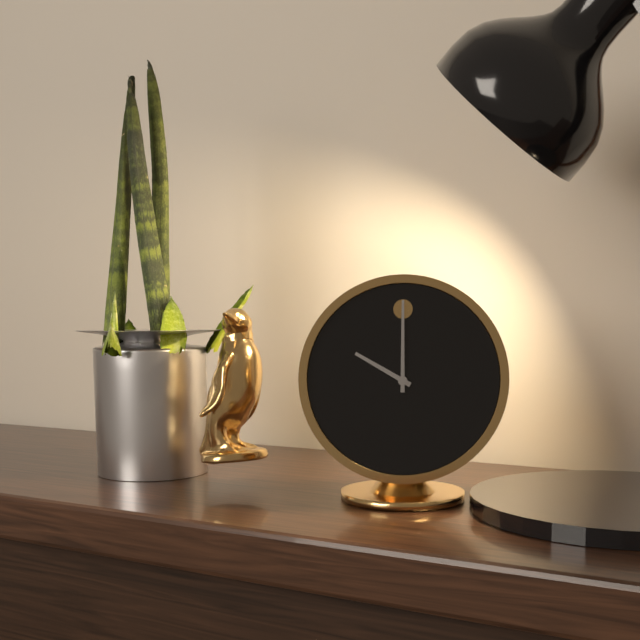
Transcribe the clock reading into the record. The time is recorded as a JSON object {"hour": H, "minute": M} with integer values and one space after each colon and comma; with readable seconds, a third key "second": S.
{"hour": 10, "minute": 0}
